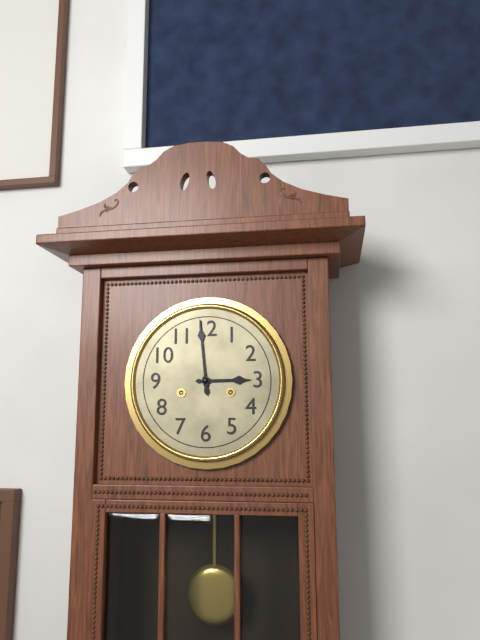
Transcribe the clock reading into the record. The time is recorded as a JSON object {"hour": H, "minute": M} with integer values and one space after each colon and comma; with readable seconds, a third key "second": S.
{"hour": 2, "minute": 59}
